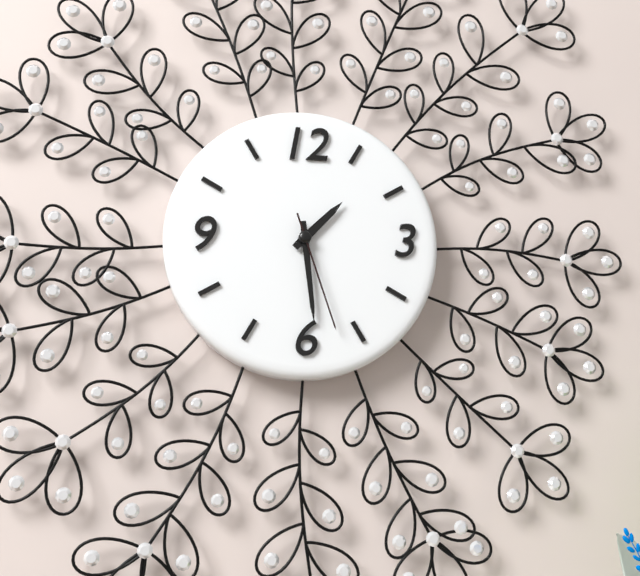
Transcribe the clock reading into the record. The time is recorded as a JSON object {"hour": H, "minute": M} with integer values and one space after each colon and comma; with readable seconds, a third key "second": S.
{"hour": 1, "minute": 29, "second": 27}
